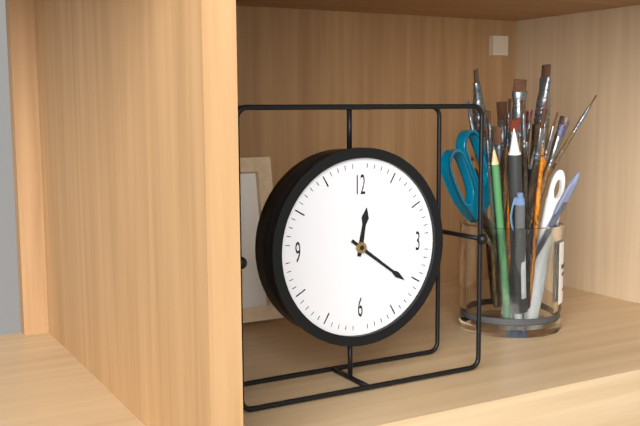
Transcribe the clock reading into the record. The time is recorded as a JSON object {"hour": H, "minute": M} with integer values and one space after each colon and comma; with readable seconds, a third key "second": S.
{"hour": 12, "minute": 21}
